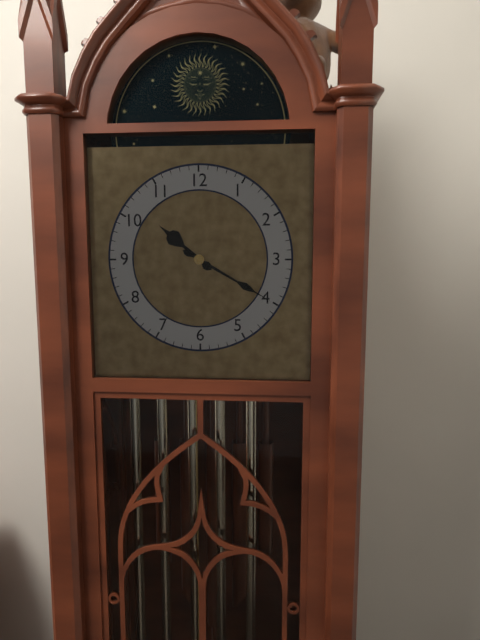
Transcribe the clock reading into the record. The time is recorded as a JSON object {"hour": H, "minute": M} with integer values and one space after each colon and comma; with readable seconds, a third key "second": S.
{"hour": 10, "minute": 20}
